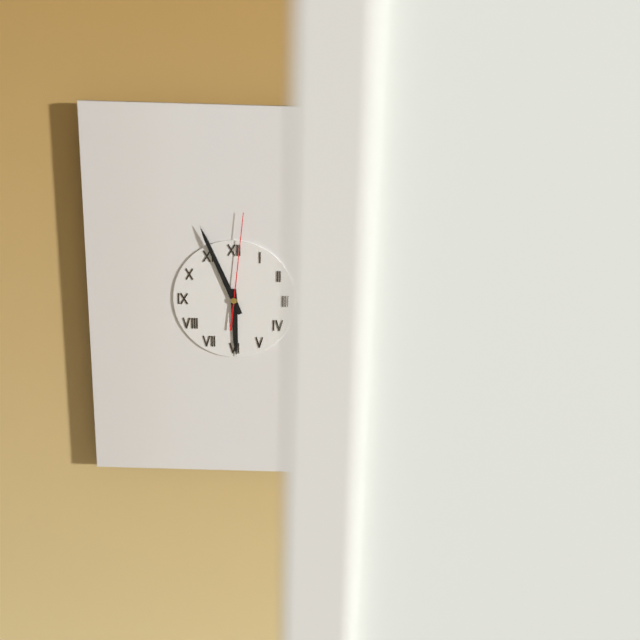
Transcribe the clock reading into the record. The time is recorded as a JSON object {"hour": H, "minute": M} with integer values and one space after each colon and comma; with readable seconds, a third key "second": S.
{"hour": 5, "minute": 56, "second": 1}
